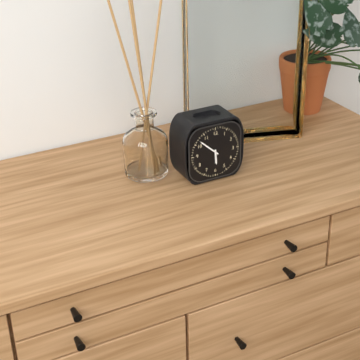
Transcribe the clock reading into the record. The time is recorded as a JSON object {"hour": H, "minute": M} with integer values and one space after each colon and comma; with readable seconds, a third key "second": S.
{"hour": 5, "minute": 52}
